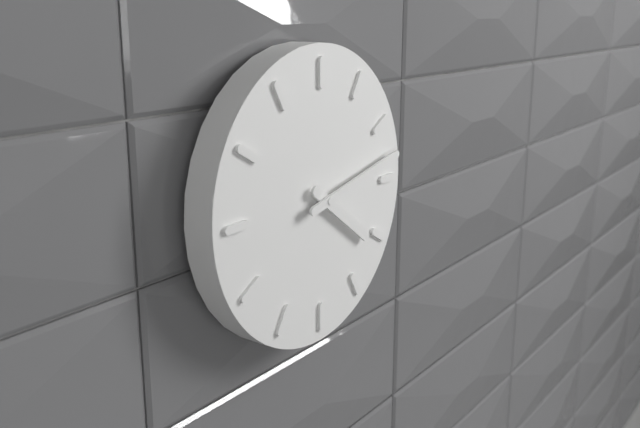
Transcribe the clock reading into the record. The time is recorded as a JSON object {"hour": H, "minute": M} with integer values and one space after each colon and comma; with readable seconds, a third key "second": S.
{"hour": 4, "minute": 13}
